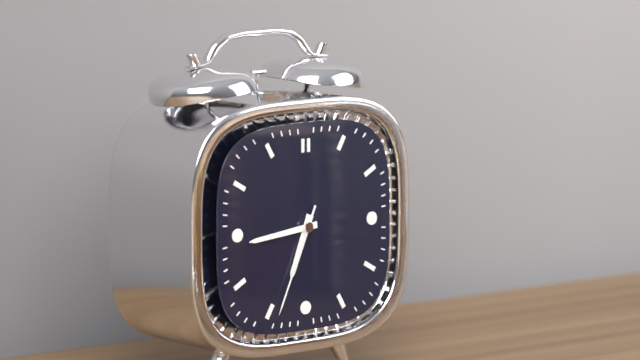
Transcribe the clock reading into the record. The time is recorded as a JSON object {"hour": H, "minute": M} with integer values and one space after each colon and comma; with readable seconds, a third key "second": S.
{"hour": 6, "minute": 44, "second": 34}
